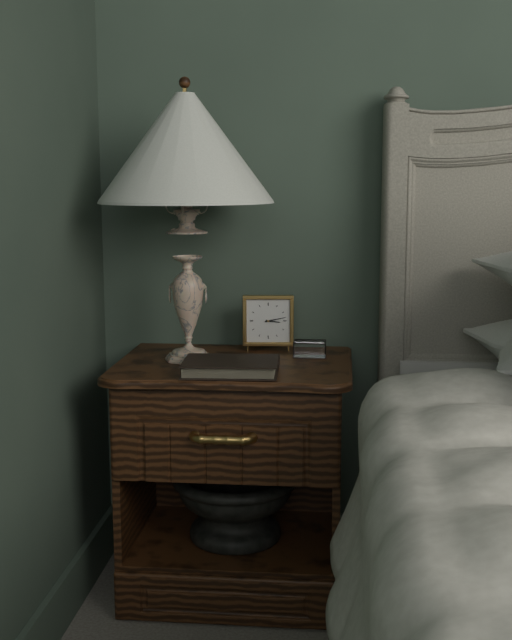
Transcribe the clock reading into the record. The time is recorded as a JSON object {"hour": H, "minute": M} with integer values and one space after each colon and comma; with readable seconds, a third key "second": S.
{"hour": 3, "minute": 13}
